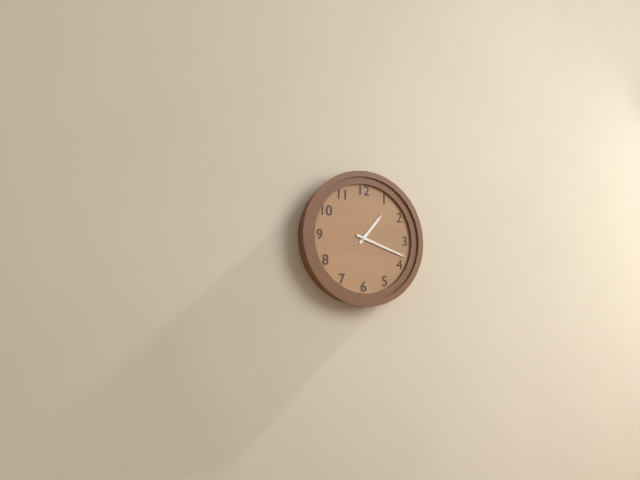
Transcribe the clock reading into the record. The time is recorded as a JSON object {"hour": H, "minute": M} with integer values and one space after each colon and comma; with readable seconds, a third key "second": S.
{"hour": 1, "minute": 18}
